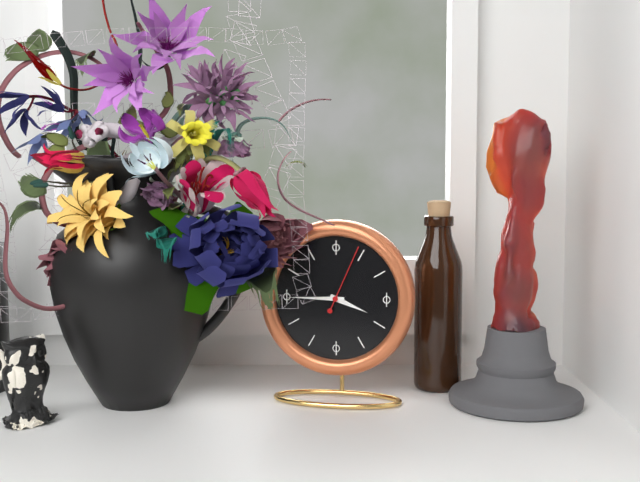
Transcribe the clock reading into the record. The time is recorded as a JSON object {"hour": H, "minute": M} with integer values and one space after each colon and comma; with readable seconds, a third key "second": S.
{"hour": 3, "minute": 45, "second": 4}
